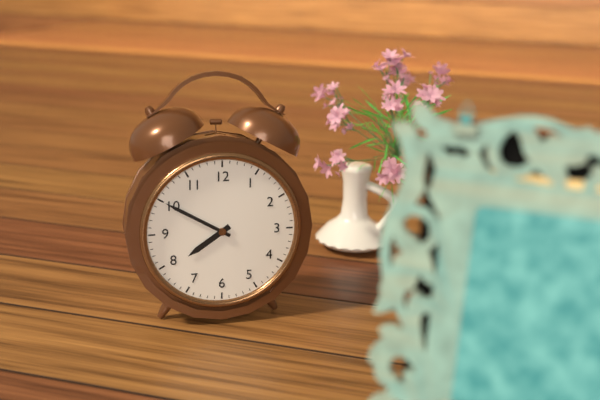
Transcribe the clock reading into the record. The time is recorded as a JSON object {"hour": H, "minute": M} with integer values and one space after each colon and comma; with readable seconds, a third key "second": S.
{"hour": 7, "minute": 50}
